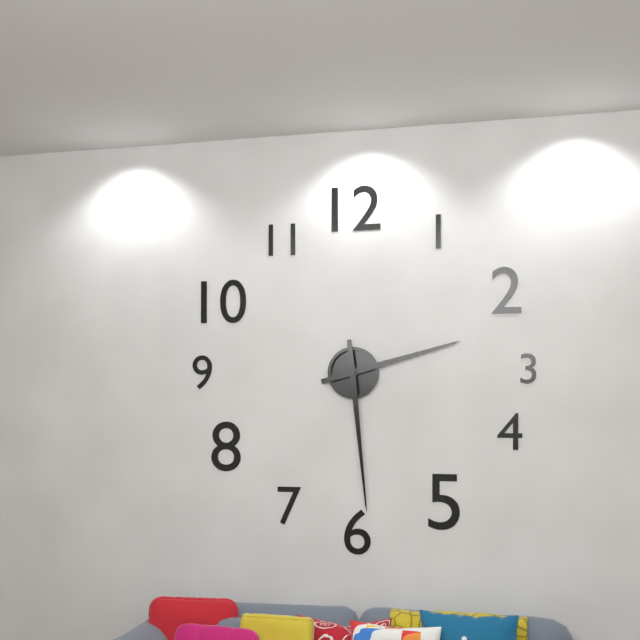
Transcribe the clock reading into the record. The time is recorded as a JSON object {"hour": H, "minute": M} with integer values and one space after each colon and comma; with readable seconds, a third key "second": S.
{"hour": 2, "minute": 29}
